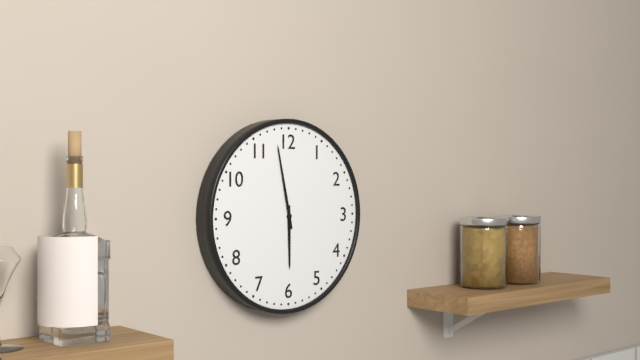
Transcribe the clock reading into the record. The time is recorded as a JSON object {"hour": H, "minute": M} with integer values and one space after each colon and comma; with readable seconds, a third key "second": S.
{"hour": 5, "minute": 58}
